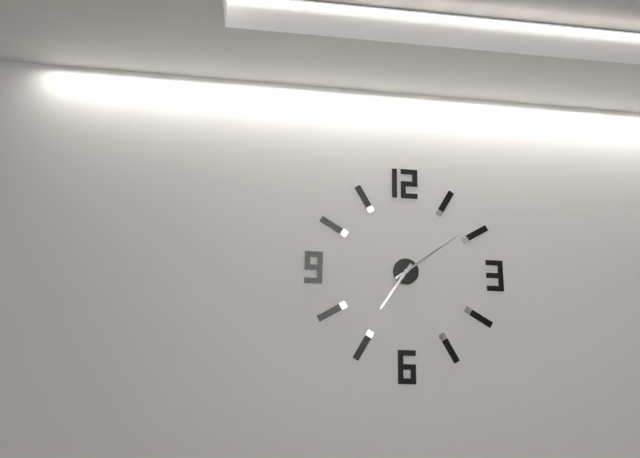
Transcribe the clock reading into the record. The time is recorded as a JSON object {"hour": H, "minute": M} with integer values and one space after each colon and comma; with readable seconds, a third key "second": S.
{"hour": 7, "minute": 9}
